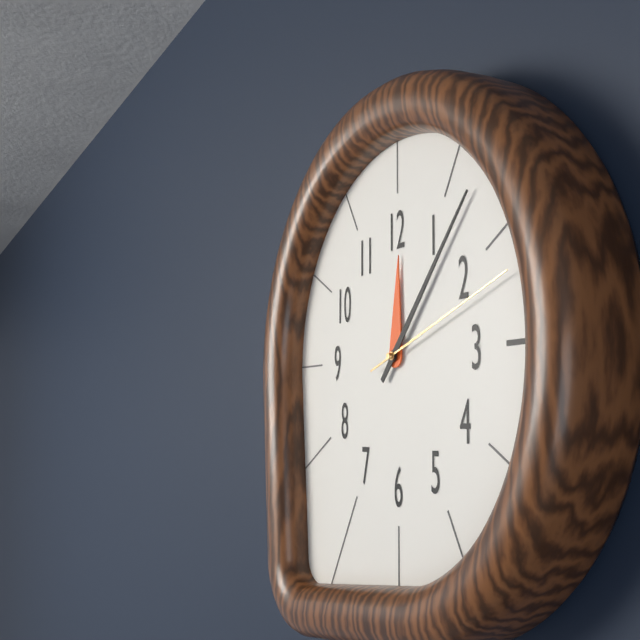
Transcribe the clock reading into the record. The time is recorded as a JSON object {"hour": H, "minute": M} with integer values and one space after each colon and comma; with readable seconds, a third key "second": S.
{"hour": 12, "minute": 7, "second": 12}
